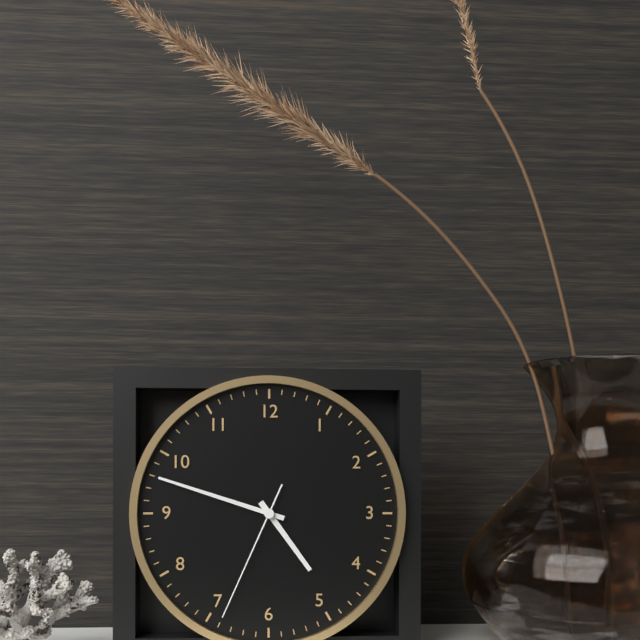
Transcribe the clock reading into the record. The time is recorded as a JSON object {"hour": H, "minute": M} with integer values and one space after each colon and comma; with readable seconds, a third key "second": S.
{"hour": 4, "minute": 48, "second": 34}
